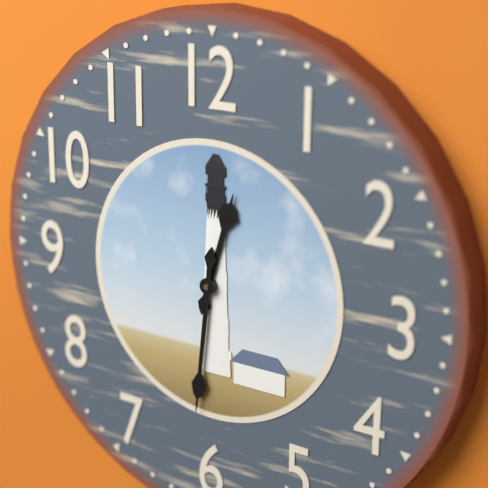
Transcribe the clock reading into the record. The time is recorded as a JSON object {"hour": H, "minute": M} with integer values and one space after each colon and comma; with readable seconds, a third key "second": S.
{"hour": 12, "minute": 31}
